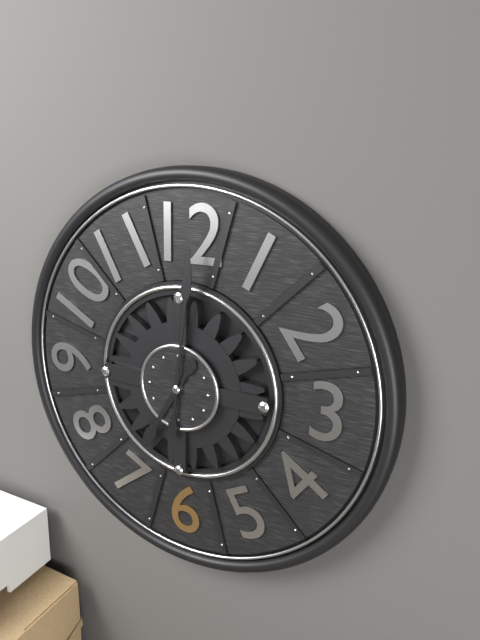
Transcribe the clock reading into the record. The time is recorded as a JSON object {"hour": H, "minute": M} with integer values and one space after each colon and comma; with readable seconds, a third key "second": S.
{"hour": 7, "minute": 1}
